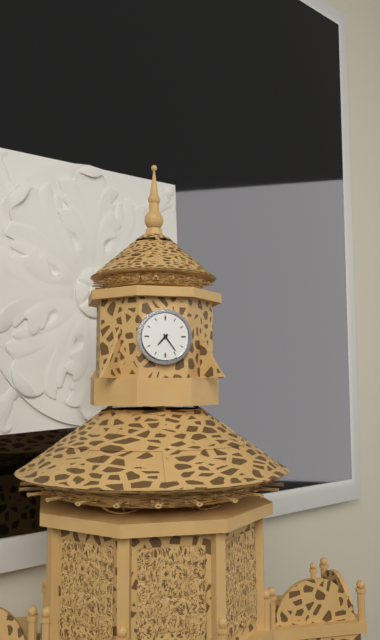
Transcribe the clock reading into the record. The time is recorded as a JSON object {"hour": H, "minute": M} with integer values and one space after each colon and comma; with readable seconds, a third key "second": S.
{"hour": 7, "minute": 24}
